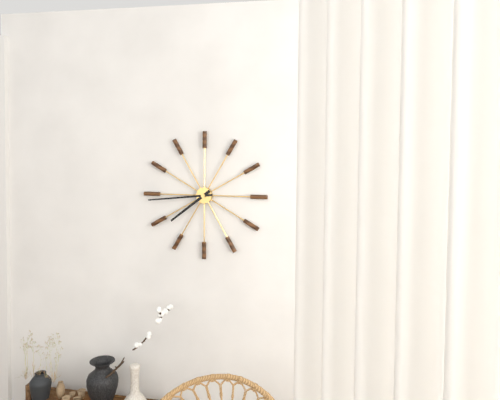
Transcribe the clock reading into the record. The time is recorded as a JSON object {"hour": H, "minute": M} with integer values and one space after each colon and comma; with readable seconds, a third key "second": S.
{"hour": 7, "minute": 44}
